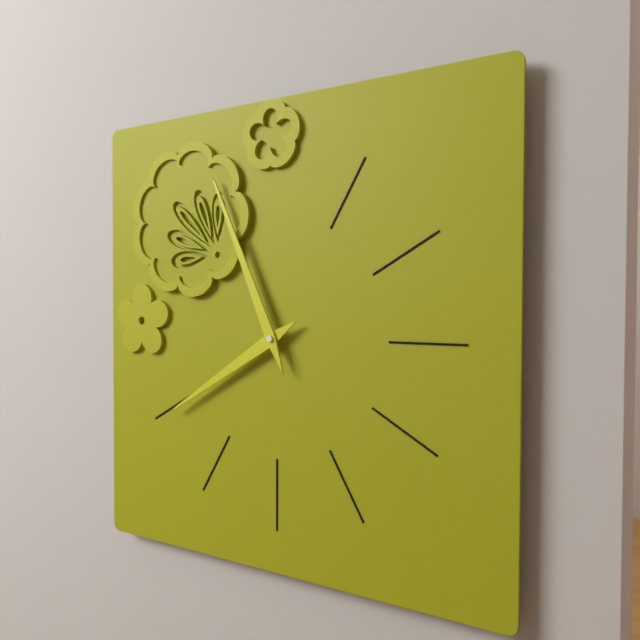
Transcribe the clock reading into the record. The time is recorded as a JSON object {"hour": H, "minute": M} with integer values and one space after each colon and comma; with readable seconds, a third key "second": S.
{"hour": 7, "minute": 56}
